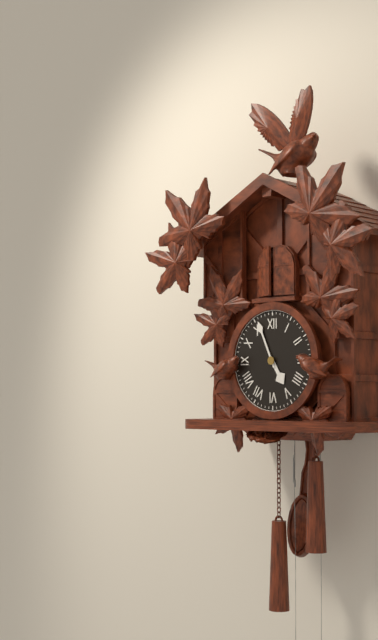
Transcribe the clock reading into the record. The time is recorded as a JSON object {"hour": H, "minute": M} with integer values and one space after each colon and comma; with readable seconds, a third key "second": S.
{"hour": 4, "minute": 56}
